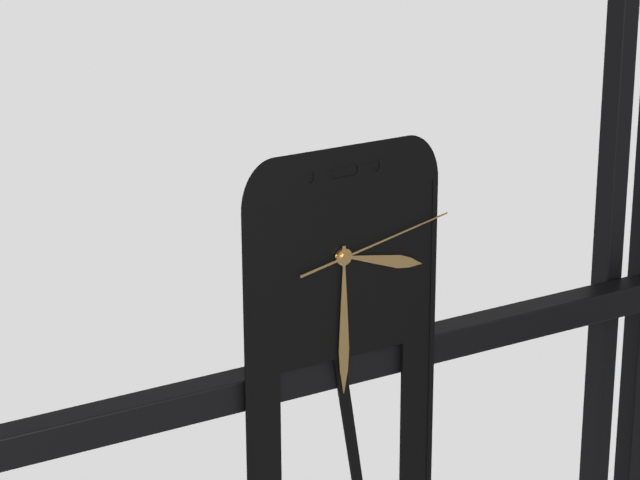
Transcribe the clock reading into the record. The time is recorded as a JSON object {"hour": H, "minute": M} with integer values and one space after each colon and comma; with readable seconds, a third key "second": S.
{"hour": 3, "minute": 30, "second": 13}
